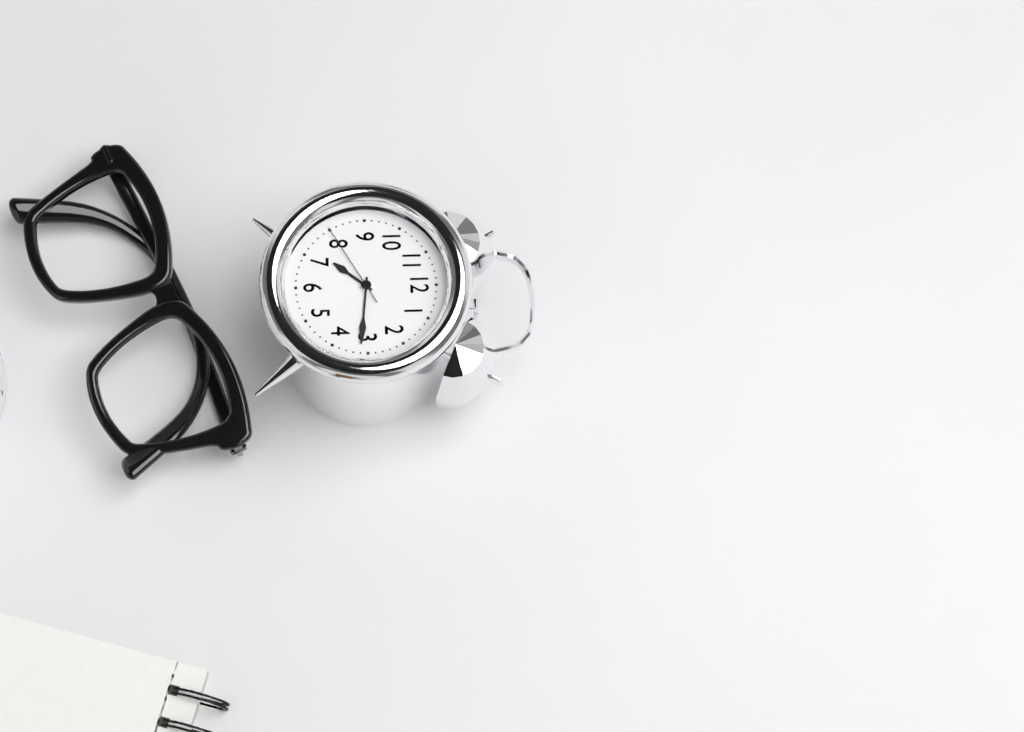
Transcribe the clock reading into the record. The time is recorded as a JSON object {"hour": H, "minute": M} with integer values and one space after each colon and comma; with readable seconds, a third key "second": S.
{"hour": 7, "minute": 16, "second": 40}
